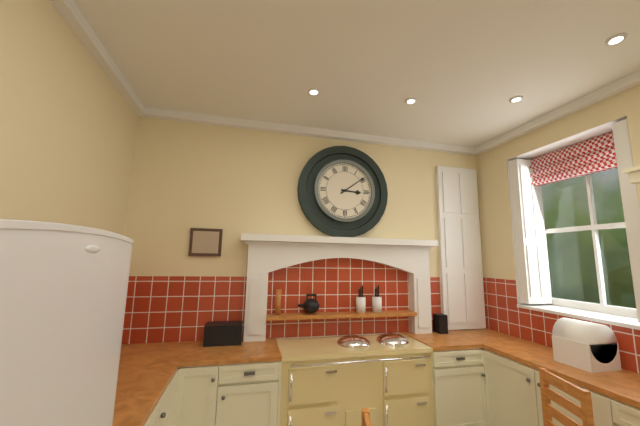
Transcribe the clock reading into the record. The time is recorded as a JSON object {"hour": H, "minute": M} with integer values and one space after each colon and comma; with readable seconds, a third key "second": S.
{"hour": 3, "minute": 9}
